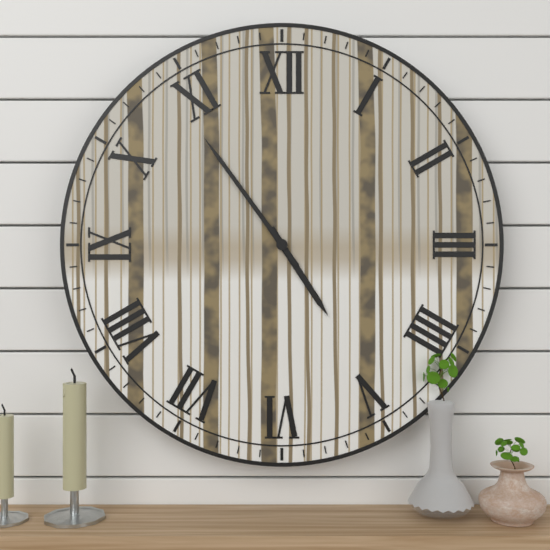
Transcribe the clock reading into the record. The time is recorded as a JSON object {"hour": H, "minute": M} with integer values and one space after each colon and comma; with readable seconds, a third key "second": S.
{"hour": 4, "minute": 54}
